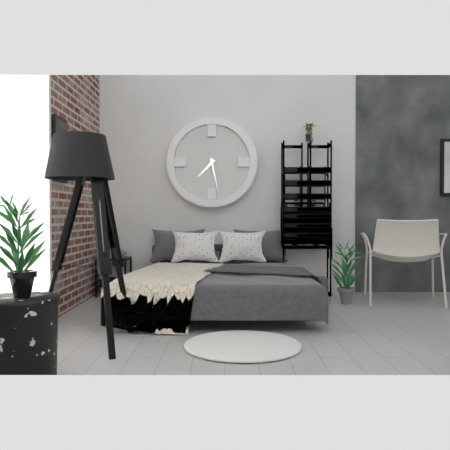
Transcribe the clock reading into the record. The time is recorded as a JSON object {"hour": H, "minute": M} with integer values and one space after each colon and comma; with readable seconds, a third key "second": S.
{"hour": 7, "minute": 28}
